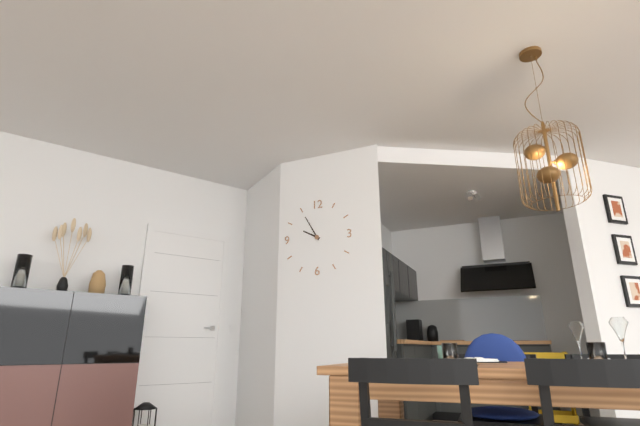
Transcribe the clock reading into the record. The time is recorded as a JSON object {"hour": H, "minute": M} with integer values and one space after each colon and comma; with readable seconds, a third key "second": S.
{"hour": 9, "minute": 55}
